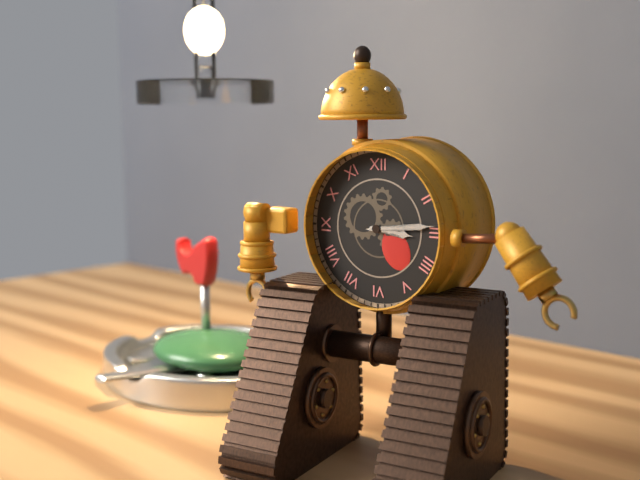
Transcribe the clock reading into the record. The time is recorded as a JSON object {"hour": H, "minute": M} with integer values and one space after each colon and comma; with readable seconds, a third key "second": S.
{"hour": 3, "minute": 14}
